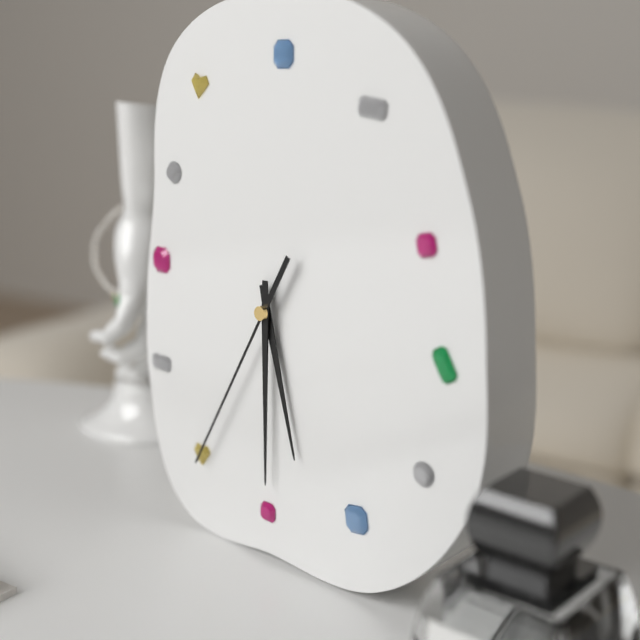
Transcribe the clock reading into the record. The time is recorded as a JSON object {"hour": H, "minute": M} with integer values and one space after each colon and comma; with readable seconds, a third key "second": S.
{"hour": 5, "minute": 30, "second": 35}
